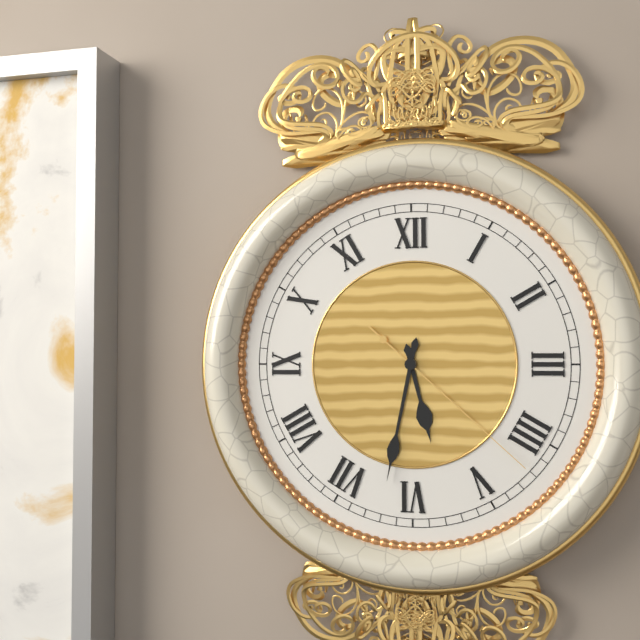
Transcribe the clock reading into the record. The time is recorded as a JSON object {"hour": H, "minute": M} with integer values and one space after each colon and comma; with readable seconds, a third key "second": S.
{"hour": 5, "minute": 32, "second": 22}
